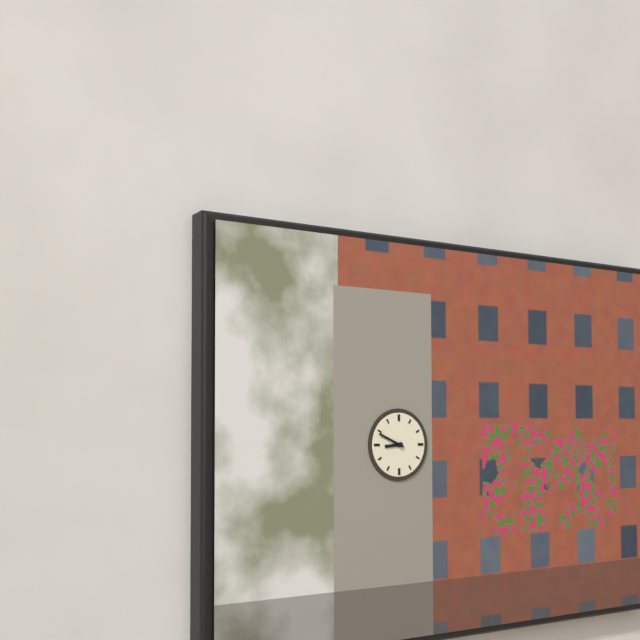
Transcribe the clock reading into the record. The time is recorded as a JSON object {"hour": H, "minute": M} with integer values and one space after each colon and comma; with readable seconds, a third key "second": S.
{"hour": 8, "minute": 49}
